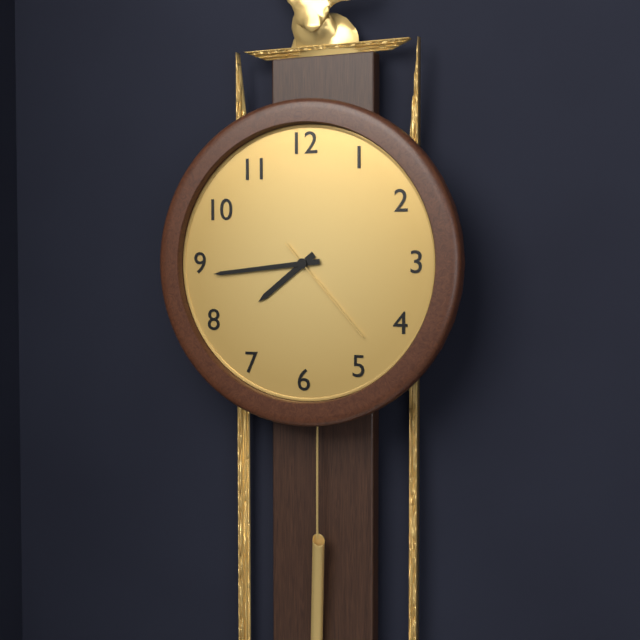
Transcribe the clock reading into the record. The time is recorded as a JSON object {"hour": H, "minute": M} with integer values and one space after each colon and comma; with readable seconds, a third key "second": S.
{"hour": 7, "minute": 44, "second": 23}
